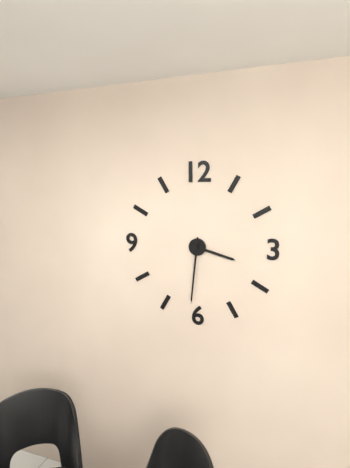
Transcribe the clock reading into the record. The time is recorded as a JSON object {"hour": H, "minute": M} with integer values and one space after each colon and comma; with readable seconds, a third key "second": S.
{"hour": 3, "minute": 31}
